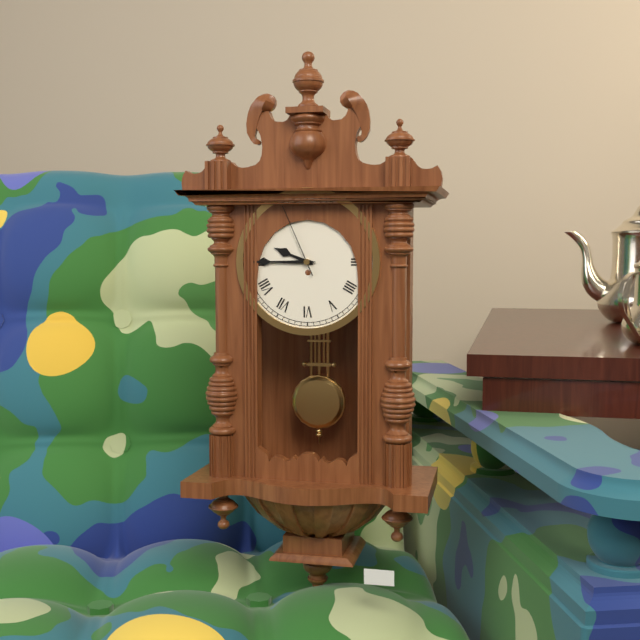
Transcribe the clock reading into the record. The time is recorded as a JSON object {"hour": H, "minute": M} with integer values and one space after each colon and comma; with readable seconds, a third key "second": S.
{"hour": 9, "minute": 45, "second": 56}
